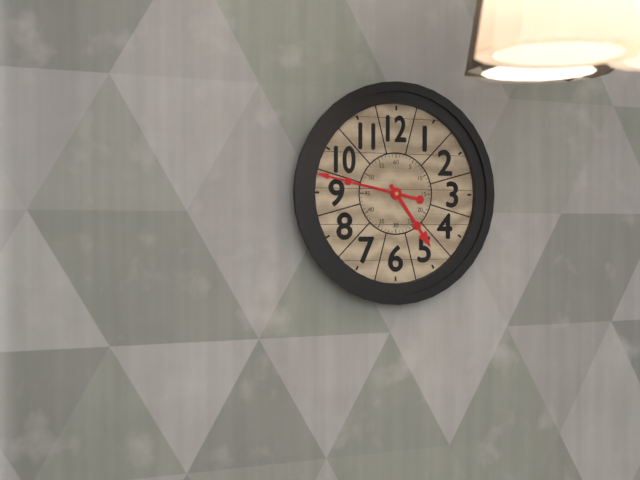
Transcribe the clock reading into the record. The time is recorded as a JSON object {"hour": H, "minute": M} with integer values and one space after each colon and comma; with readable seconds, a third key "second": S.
{"hour": 4, "minute": 47}
